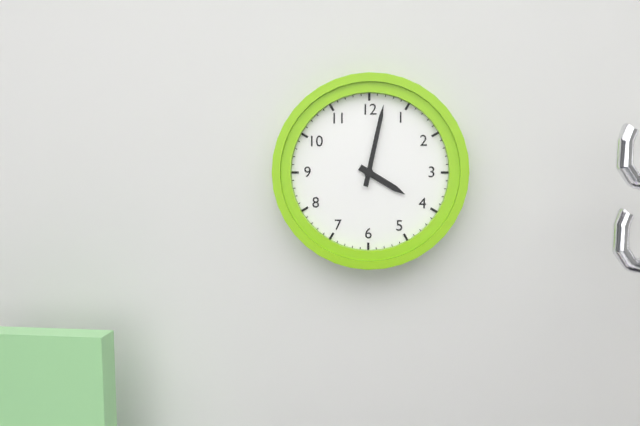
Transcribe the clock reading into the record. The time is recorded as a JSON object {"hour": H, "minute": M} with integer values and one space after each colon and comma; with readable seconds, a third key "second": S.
{"hour": 4, "minute": 2}
